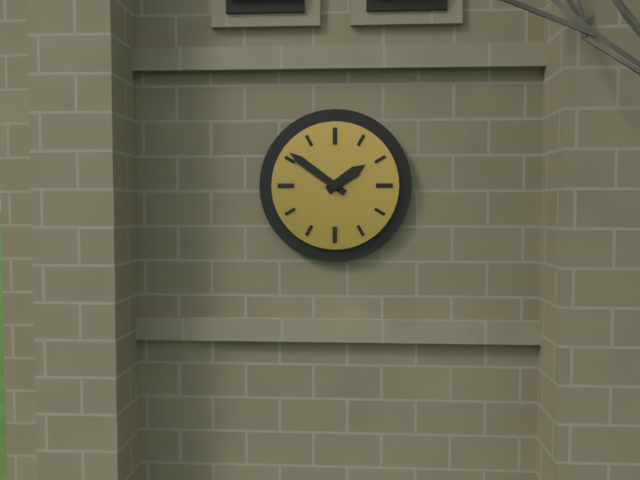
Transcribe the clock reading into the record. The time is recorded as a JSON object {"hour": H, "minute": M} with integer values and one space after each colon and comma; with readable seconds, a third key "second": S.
{"hour": 1, "minute": 51}
